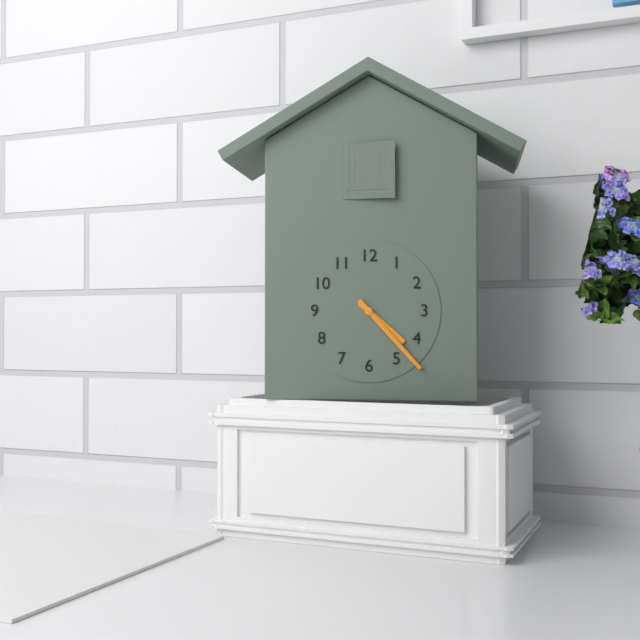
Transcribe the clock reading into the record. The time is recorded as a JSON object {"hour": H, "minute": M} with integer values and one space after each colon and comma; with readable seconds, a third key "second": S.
{"hour": 4, "minute": 23}
